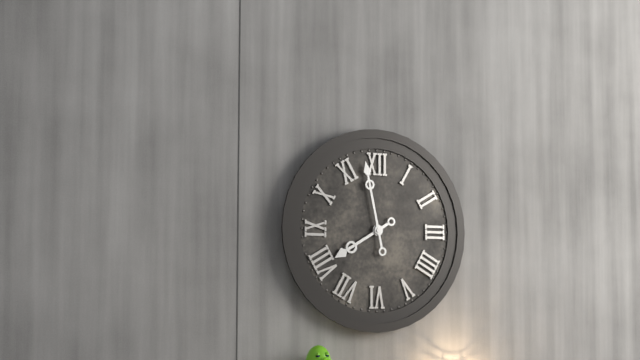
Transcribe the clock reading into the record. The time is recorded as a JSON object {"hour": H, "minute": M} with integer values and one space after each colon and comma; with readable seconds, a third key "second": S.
{"hour": 7, "minute": 58}
